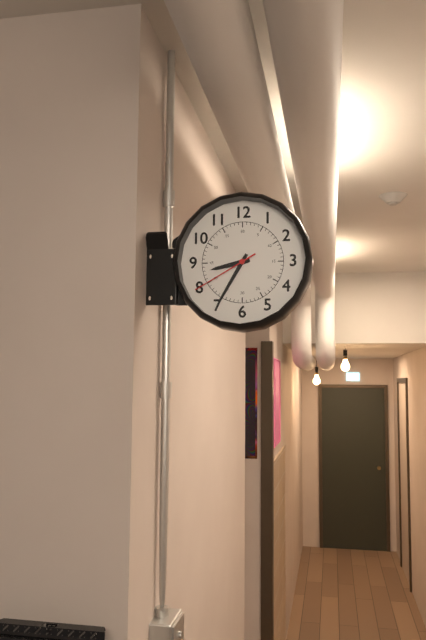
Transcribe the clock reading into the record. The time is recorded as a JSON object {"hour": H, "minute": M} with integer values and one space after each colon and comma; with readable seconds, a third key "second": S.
{"hour": 8, "minute": 35, "second": 40}
